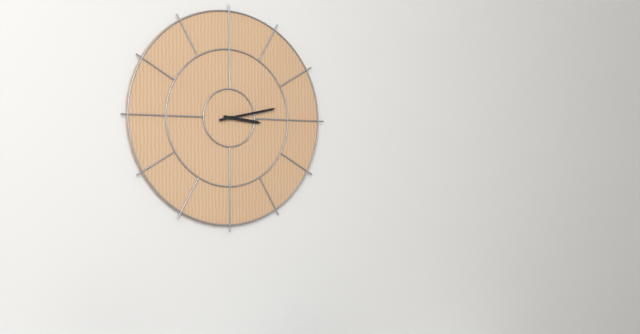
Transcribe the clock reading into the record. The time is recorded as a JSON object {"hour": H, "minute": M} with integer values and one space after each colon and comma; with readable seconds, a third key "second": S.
{"hour": 3, "minute": 13}
